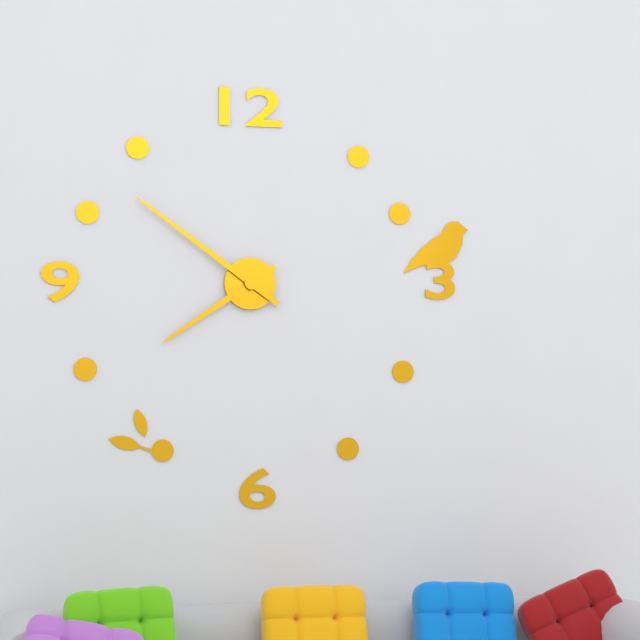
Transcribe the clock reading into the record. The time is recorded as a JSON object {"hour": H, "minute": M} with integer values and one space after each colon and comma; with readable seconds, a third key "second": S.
{"hour": 7, "minute": 51}
